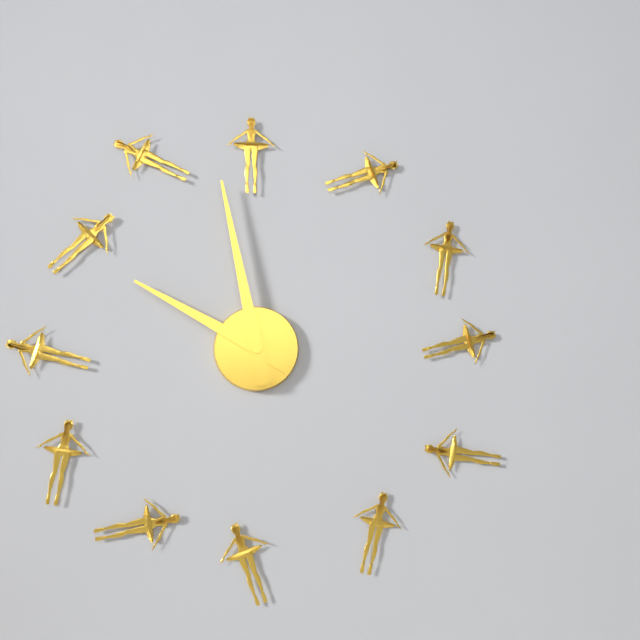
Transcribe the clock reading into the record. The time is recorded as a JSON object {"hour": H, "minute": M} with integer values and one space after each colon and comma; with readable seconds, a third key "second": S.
{"hour": 9, "minute": 58}
